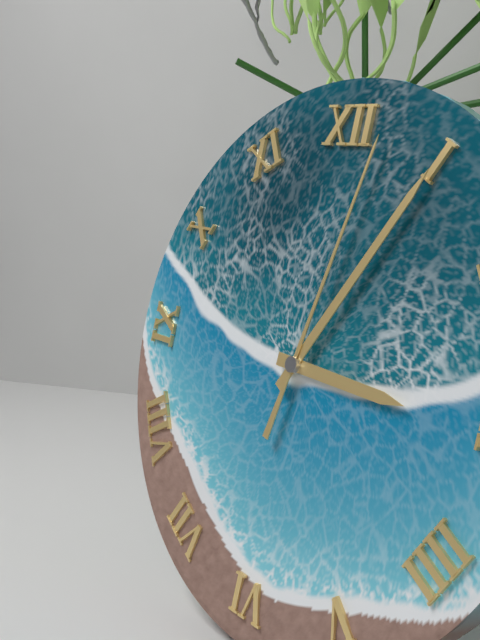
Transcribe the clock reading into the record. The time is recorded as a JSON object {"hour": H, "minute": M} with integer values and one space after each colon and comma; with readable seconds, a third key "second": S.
{"hour": 3, "minute": 5, "second": 2}
